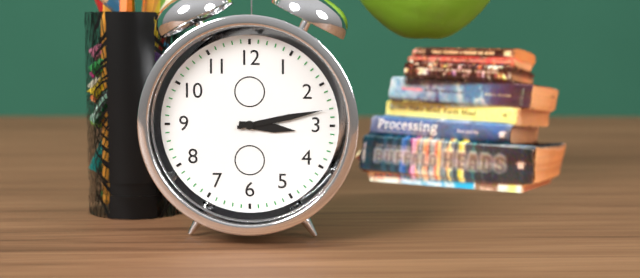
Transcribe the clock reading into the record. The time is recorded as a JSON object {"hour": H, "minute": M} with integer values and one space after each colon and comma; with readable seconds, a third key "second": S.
{"hour": 3, "minute": 13}
